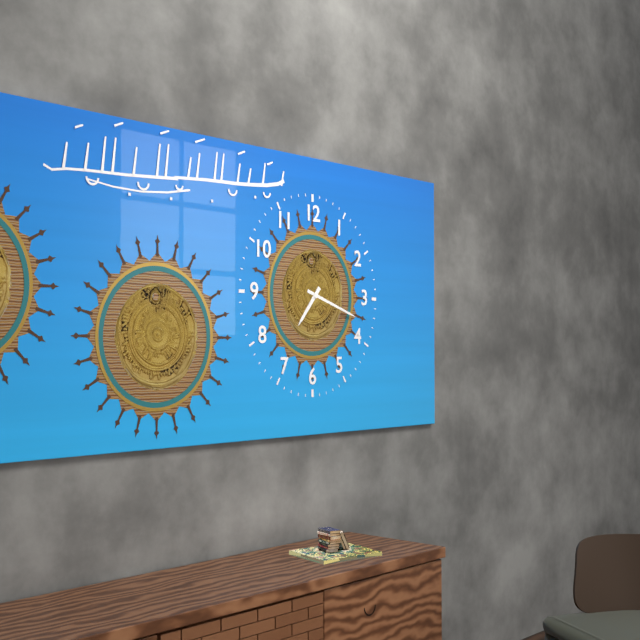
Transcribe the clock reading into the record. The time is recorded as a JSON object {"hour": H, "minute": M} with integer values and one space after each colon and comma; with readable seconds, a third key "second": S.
{"hour": 7, "minute": 18}
